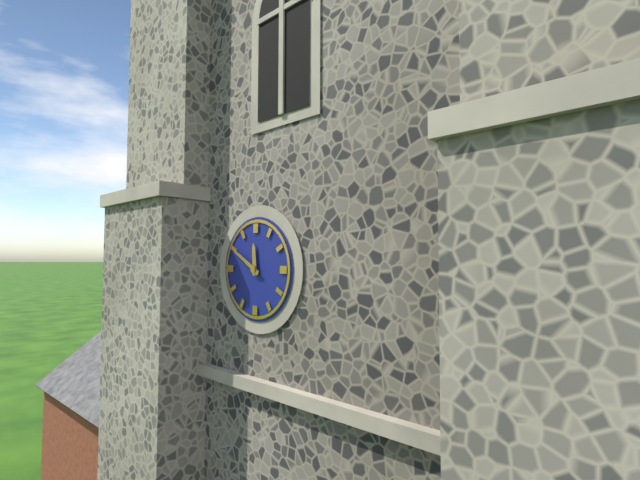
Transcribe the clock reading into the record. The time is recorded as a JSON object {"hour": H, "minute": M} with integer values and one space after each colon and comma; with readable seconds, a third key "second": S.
{"hour": 11, "minute": 50}
